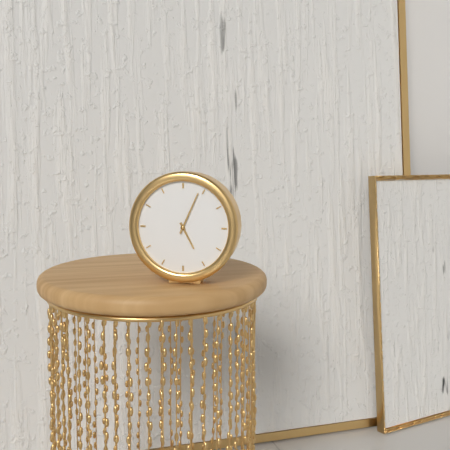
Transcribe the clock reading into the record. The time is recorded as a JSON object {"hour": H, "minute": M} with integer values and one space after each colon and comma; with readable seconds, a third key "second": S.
{"hour": 5, "minute": 4}
